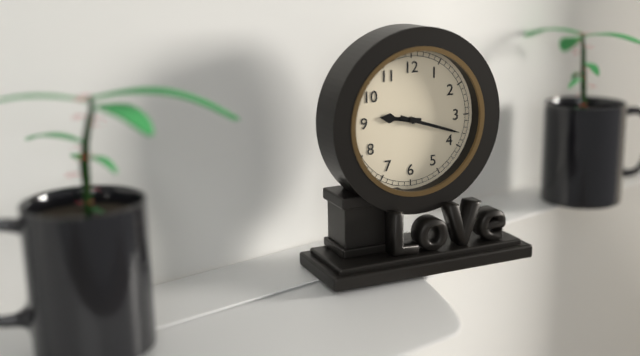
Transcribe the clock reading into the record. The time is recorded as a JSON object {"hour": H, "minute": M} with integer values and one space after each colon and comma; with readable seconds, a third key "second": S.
{"hour": 9, "minute": 18}
